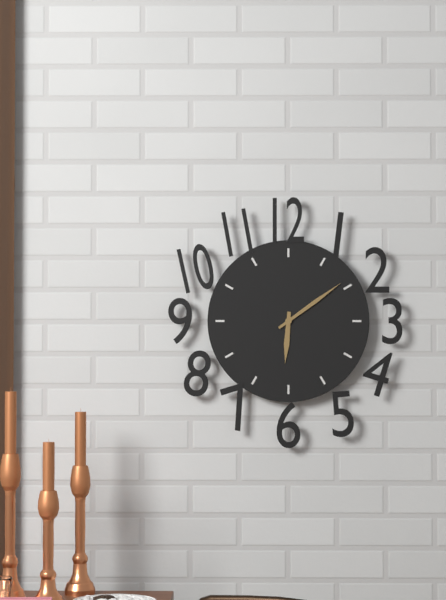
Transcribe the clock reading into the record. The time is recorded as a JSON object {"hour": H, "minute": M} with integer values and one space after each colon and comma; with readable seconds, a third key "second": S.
{"hour": 6, "minute": 9}
